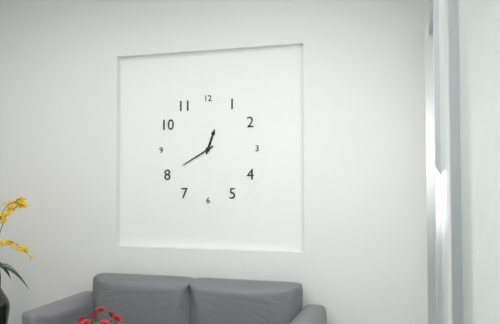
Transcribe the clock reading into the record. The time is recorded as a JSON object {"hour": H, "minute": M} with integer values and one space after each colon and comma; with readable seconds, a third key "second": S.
{"hour": 12, "minute": 40}
